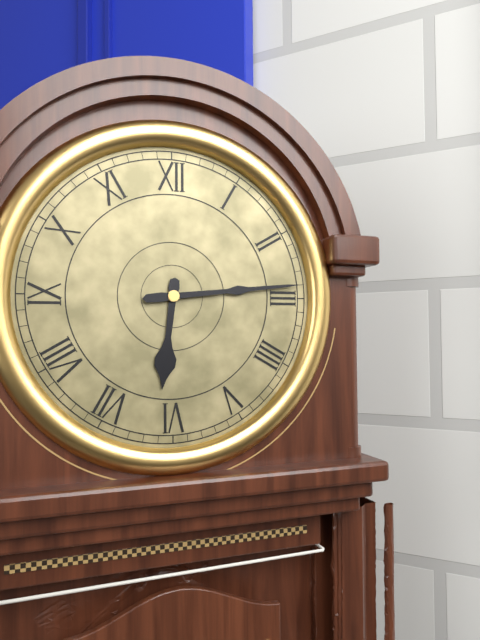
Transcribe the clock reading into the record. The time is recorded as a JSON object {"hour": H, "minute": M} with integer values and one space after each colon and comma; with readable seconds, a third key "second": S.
{"hour": 6, "minute": 14}
